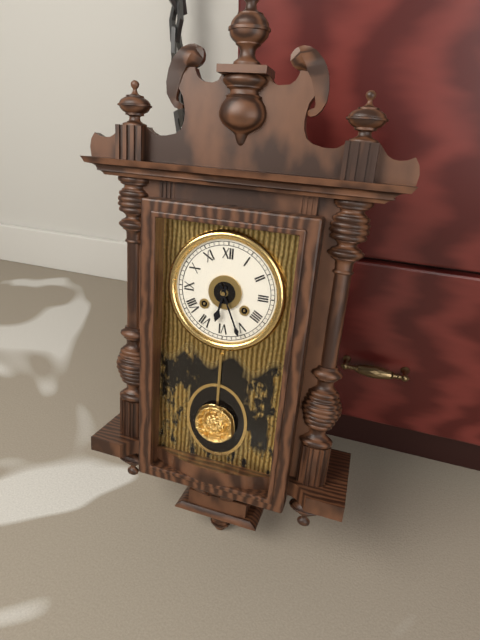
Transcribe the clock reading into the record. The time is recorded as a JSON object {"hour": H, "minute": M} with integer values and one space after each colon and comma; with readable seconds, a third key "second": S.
{"hour": 6, "minute": 26}
